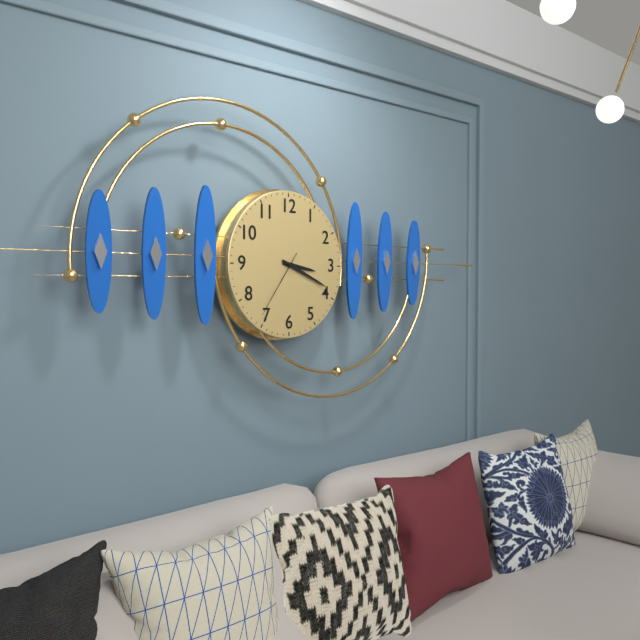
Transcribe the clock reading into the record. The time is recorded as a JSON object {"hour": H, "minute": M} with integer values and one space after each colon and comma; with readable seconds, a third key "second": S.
{"hour": 3, "minute": 19, "second": 36}
